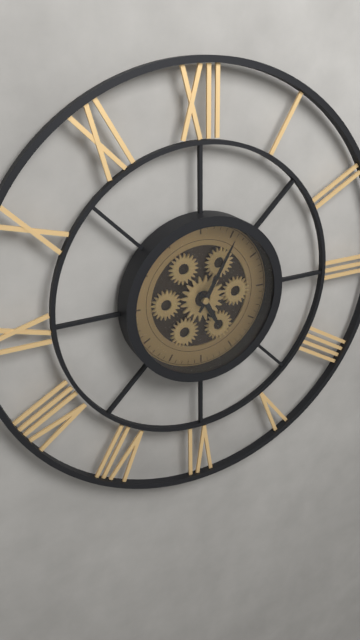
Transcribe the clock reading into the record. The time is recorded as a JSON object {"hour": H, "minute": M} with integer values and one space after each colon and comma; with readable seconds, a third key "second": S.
{"hour": 5, "minute": 5}
